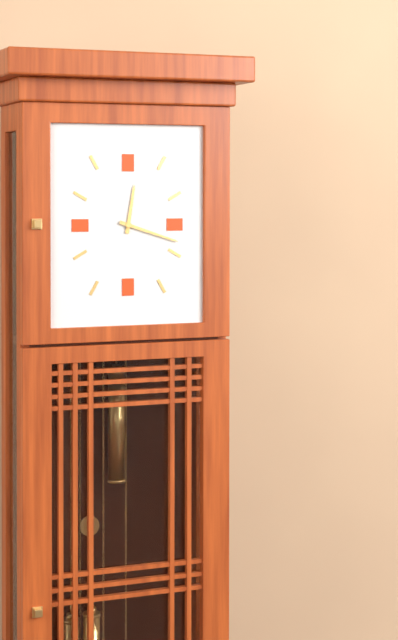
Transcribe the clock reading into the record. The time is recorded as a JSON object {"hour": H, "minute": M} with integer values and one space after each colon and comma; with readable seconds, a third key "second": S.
{"hour": 12, "minute": 18}
